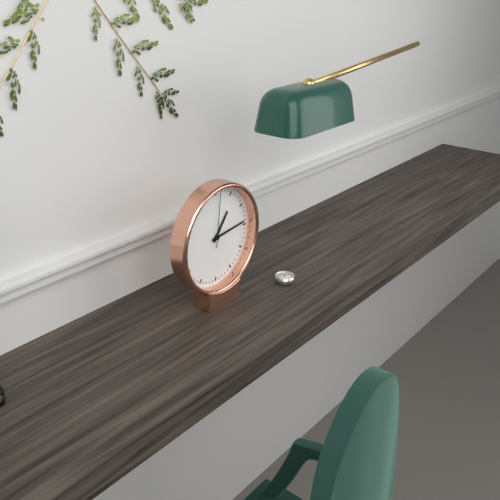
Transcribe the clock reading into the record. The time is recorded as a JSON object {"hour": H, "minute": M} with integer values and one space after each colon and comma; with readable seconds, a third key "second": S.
{"hour": 1, "minute": 14, "second": 1}
